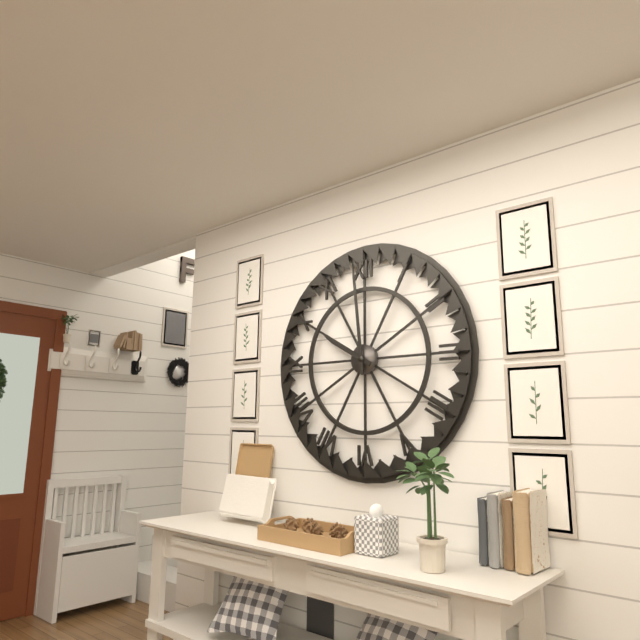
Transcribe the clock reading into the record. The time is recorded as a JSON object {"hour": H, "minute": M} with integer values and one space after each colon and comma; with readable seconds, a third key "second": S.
{"hour": 9, "minute": 59}
